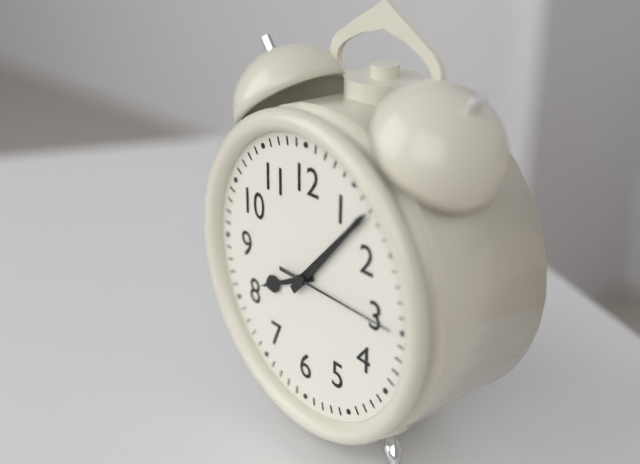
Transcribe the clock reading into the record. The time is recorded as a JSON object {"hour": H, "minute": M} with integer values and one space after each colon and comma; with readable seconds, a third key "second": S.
{"hour": 8, "minute": 7, "second": 15}
